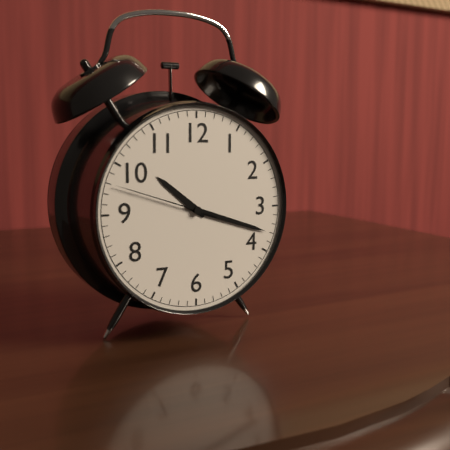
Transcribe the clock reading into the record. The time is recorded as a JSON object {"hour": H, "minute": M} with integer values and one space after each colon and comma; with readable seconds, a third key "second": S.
{"hour": 10, "minute": 18, "second": 48}
